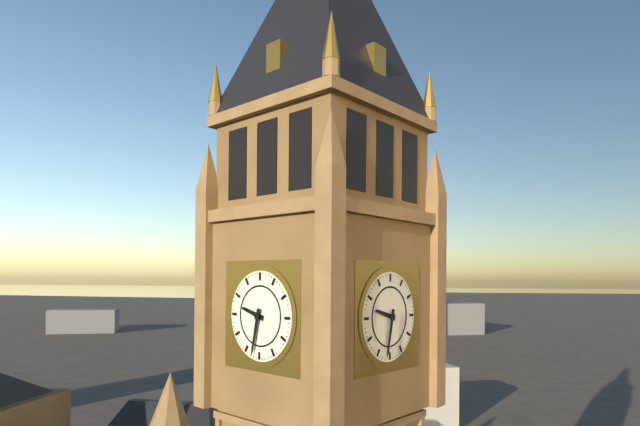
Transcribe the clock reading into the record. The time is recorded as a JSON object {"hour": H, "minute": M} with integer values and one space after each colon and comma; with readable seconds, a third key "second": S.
{"hour": 9, "minute": 32}
